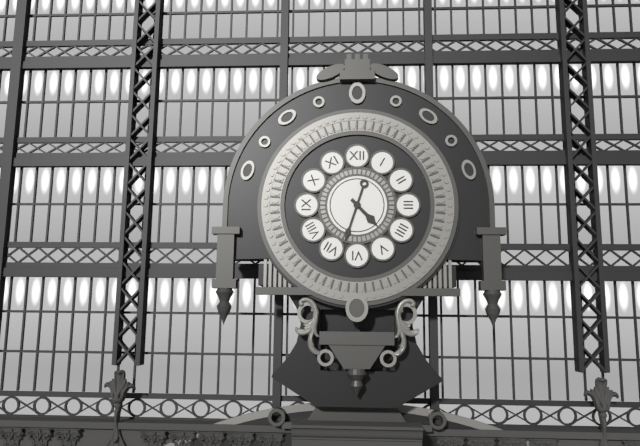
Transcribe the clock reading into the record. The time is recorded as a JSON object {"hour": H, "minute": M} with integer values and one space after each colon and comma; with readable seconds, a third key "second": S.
{"hour": 4, "minute": 33}
